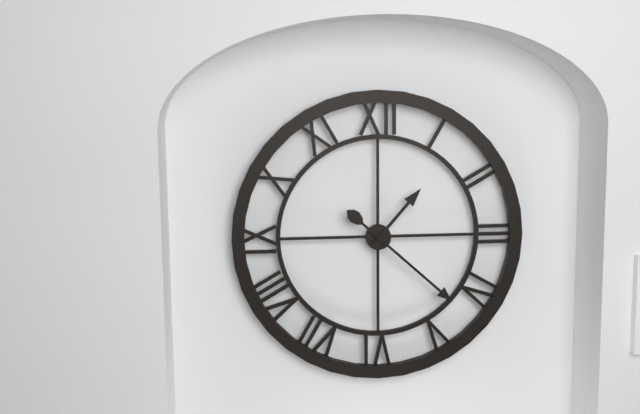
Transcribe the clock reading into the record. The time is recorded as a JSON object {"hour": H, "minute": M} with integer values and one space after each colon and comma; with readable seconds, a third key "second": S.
{"hour": 1, "minute": 22}
